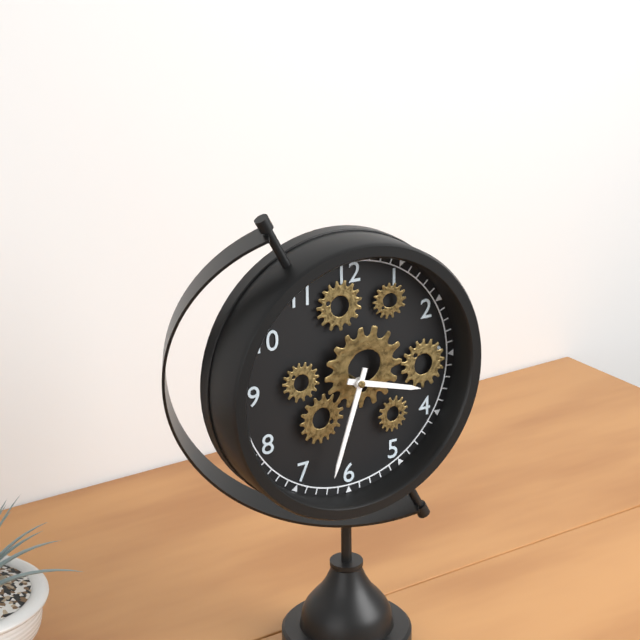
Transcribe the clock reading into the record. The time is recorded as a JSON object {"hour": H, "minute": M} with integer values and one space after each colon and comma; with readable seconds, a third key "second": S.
{"hour": 3, "minute": 33}
